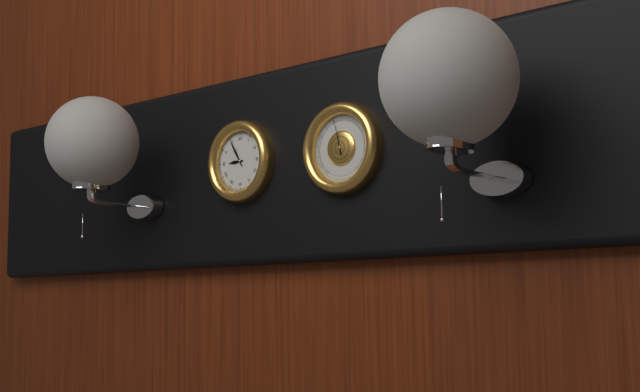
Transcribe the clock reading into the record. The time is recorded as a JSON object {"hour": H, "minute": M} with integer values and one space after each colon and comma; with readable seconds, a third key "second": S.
{"hour": 8, "minute": 55}
